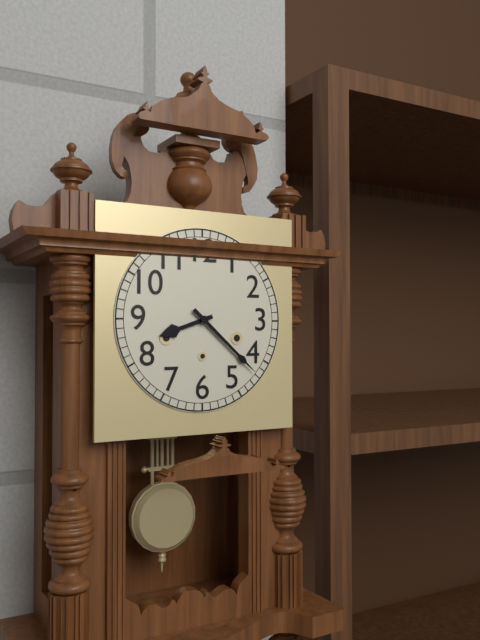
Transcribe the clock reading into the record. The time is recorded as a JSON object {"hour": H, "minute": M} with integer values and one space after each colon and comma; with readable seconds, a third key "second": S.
{"hour": 8, "minute": 22}
